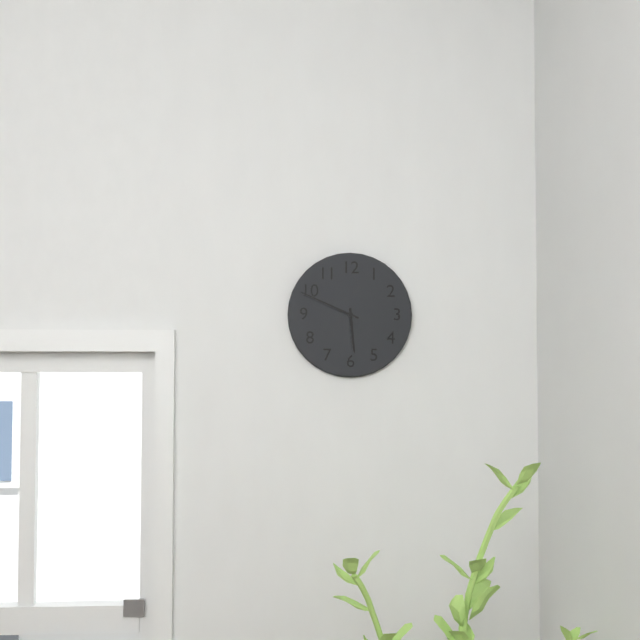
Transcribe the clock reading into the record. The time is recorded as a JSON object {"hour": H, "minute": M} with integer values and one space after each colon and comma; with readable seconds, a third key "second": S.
{"hour": 5, "minute": 49}
